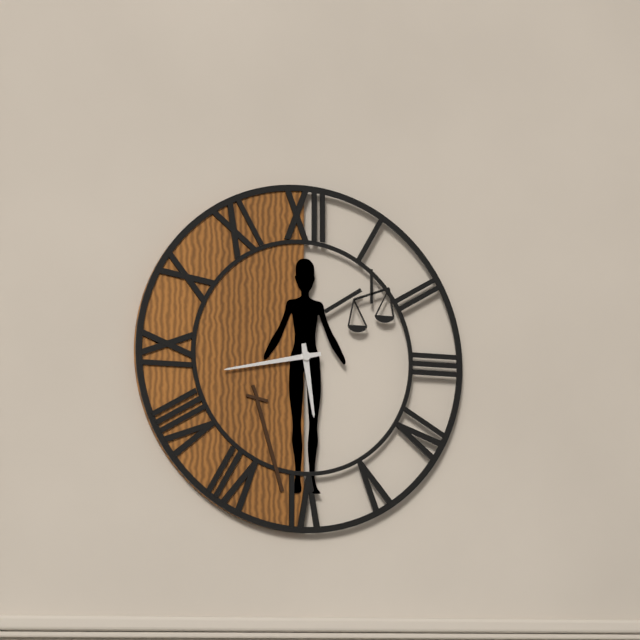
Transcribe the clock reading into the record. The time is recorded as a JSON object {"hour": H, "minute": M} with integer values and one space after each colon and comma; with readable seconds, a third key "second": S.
{"hour": 5, "minute": 43}
